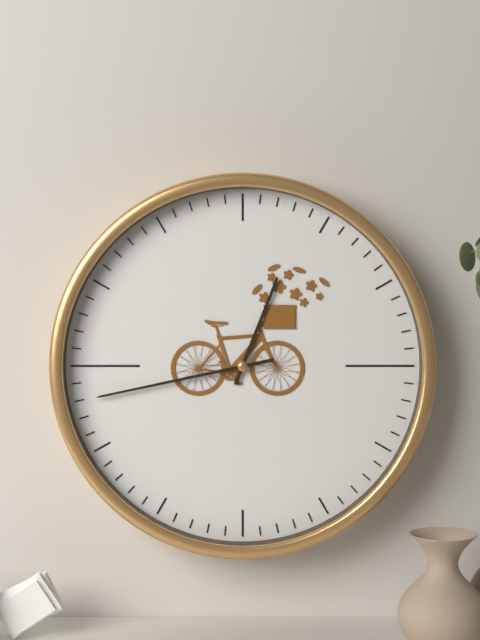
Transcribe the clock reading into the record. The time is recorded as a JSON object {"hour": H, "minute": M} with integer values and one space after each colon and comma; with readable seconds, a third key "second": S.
{"hour": 12, "minute": 43}
